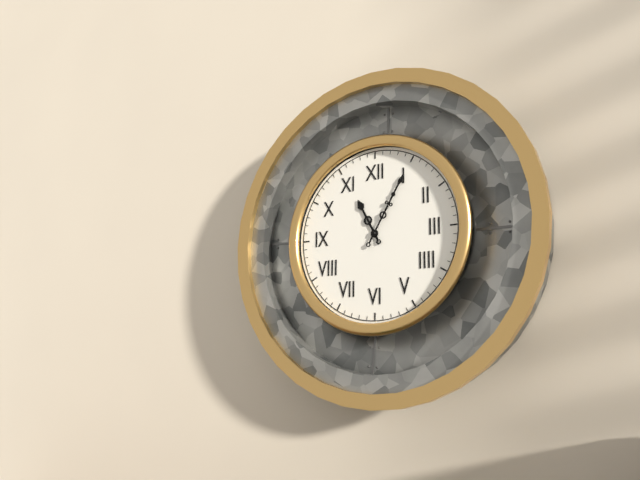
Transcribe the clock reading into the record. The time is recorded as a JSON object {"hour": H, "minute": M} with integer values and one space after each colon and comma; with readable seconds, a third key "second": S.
{"hour": 11, "minute": 5}
